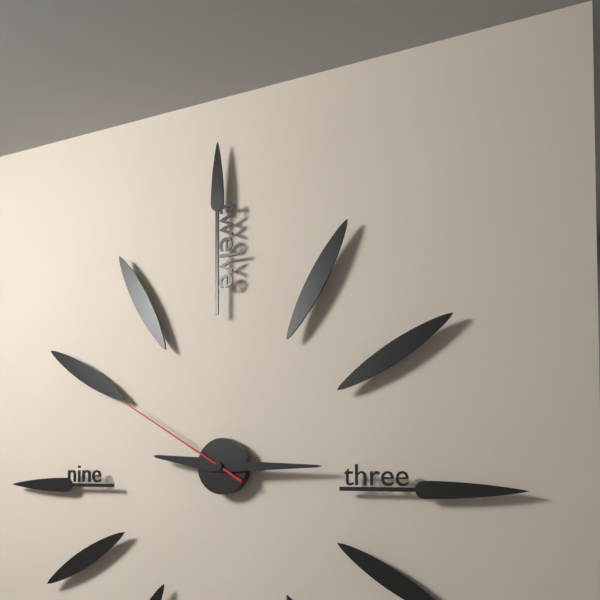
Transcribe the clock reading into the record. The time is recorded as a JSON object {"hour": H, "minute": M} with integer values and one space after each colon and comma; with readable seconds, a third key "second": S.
{"hour": 9, "minute": 15, "second": 50}
